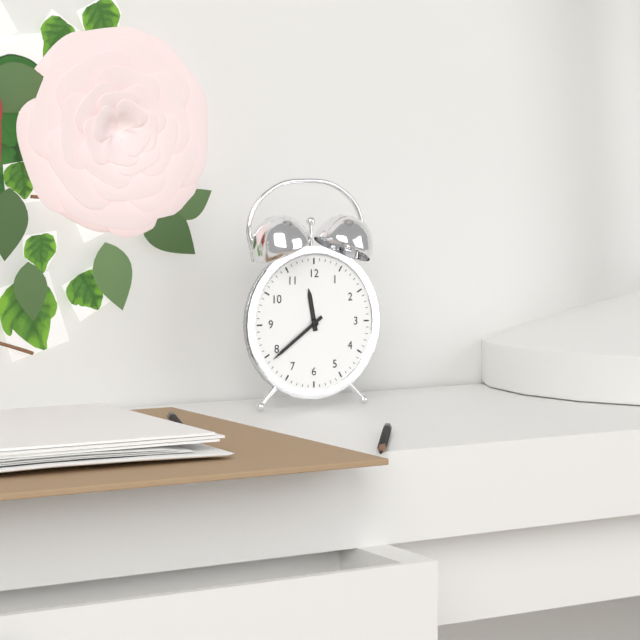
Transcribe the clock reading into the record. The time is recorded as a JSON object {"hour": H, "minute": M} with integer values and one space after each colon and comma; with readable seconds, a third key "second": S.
{"hour": 11, "minute": 39}
